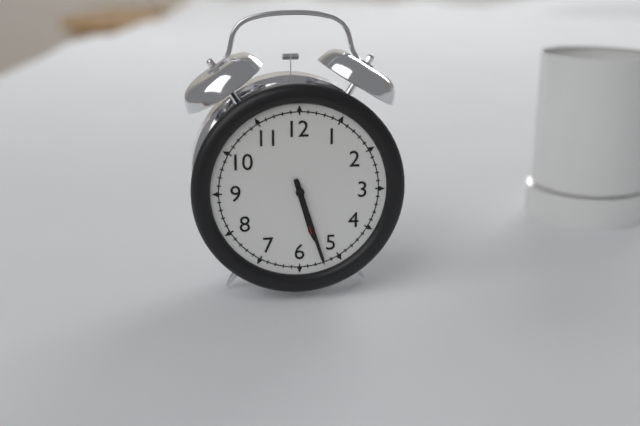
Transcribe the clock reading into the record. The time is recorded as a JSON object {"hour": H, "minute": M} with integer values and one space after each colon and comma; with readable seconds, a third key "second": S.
{"hour": 5, "minute": 27}
